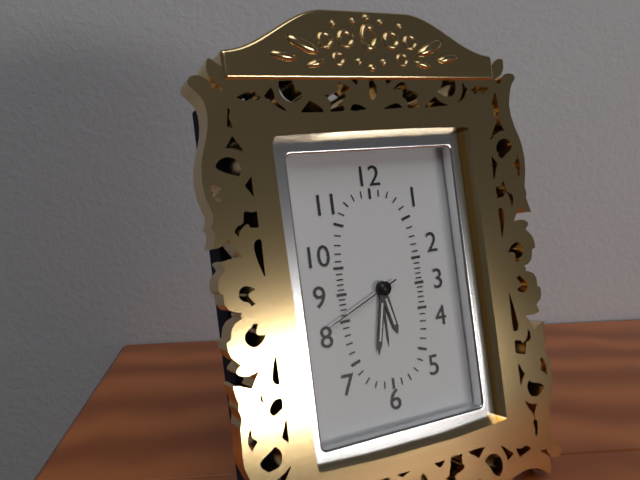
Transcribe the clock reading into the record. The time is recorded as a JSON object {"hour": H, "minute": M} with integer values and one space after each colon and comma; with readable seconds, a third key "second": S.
{"hour": 5, "minute": 32, "second": 41}
